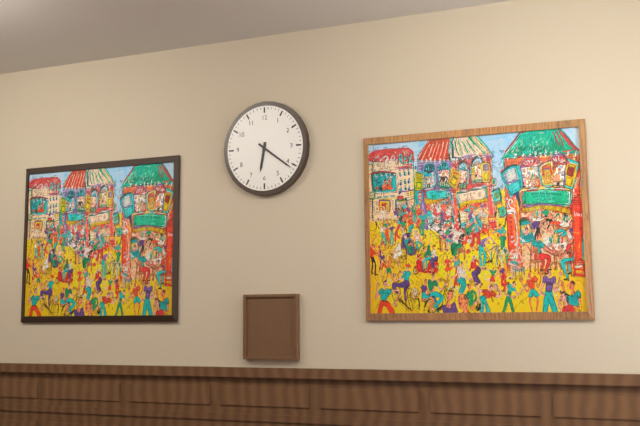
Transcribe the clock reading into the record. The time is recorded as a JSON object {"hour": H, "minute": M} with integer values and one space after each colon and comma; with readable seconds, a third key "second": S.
{"hour": 6, "minute": 21}
